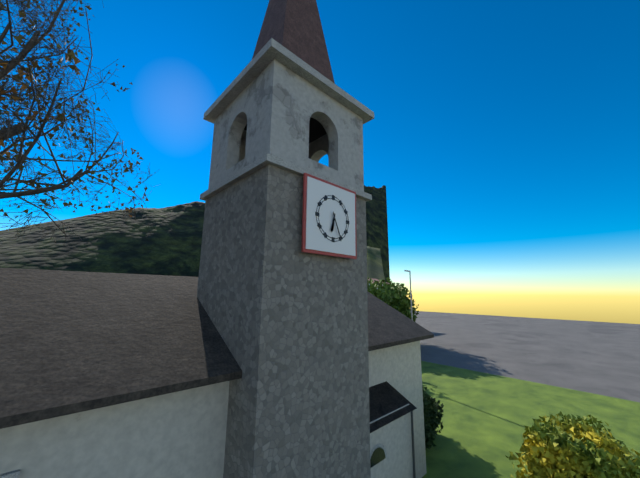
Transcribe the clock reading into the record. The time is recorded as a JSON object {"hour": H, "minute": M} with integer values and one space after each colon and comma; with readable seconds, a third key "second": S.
{"hour": 6, "minute": 26}
